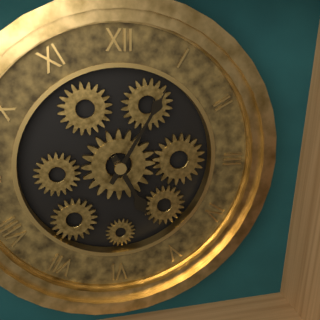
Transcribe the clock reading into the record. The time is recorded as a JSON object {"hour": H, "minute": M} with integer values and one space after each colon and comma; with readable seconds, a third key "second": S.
{"hour": 5, "minute": 5}
